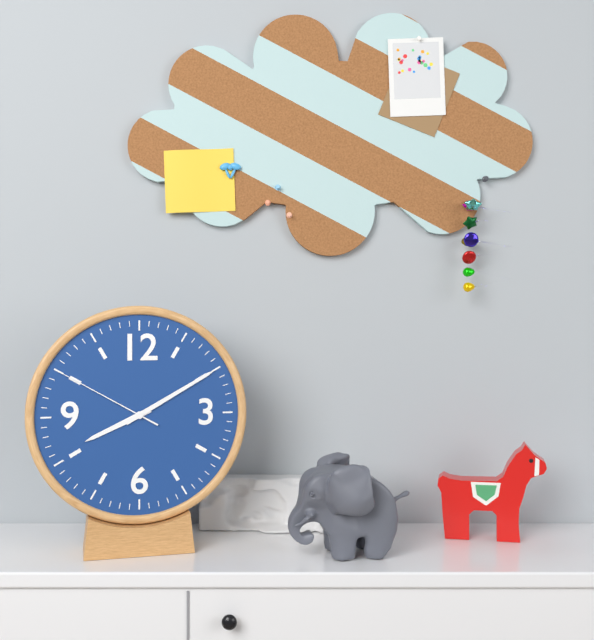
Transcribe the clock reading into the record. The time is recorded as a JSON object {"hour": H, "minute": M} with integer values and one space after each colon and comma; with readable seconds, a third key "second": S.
{"hour": 8, "minute": 10, "second": 50}
